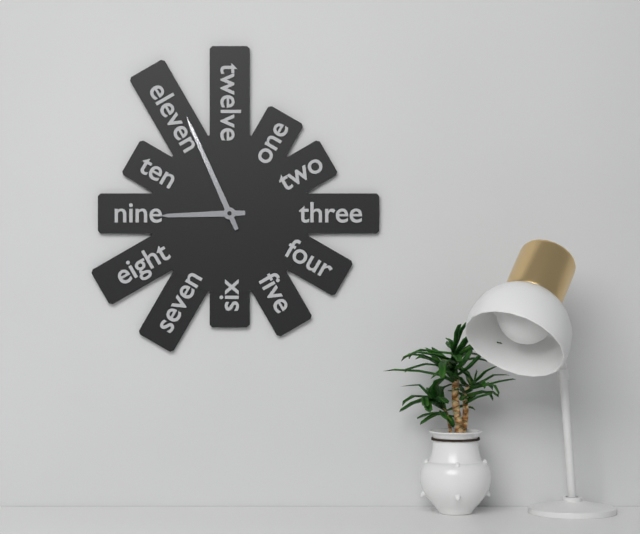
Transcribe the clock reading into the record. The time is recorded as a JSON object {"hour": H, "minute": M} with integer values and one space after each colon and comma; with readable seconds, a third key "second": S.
{"hour": 8, "minute": 56}
